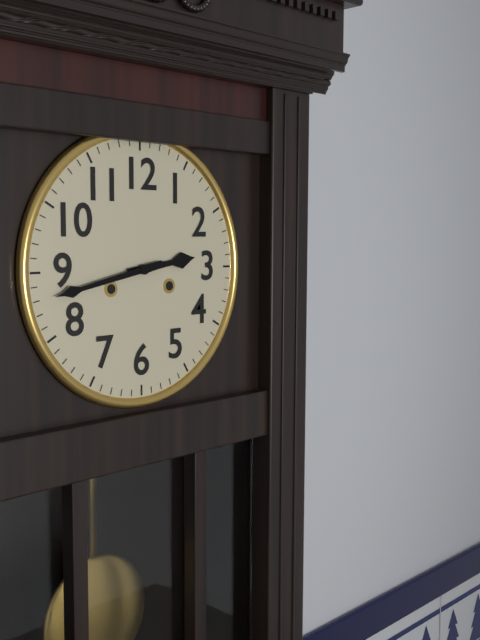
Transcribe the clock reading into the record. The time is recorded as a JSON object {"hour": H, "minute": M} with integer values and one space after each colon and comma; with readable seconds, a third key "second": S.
{"hour": 2, "minute": 43}
